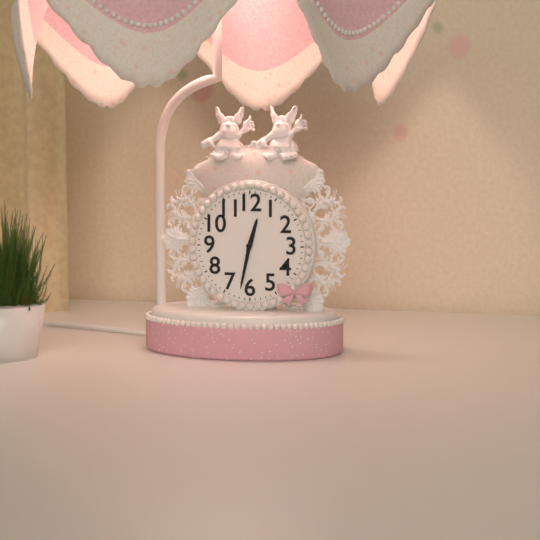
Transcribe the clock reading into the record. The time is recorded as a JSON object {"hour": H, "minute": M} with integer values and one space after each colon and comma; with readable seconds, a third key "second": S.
{"hour": 12, "minute": 32}
